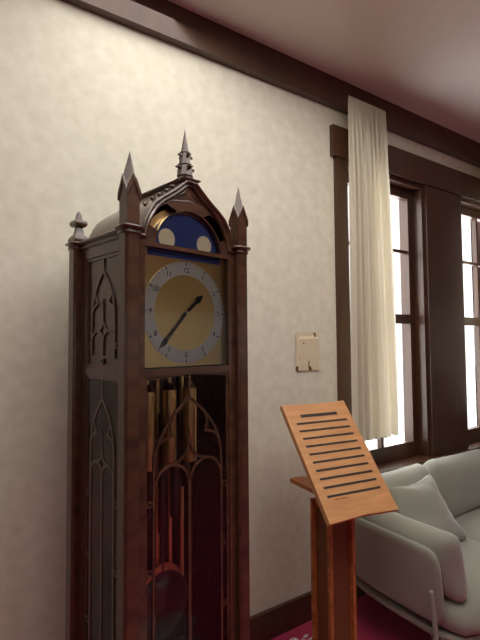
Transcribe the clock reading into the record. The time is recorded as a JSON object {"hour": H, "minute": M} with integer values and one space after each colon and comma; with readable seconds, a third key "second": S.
{"hour": 1, "minute": 37}
